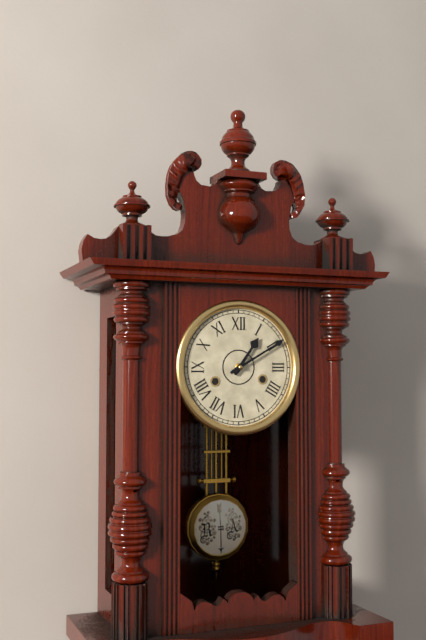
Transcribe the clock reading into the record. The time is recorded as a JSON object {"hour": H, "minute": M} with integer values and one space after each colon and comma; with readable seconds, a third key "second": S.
{"hour": 1, "minute": 10}
